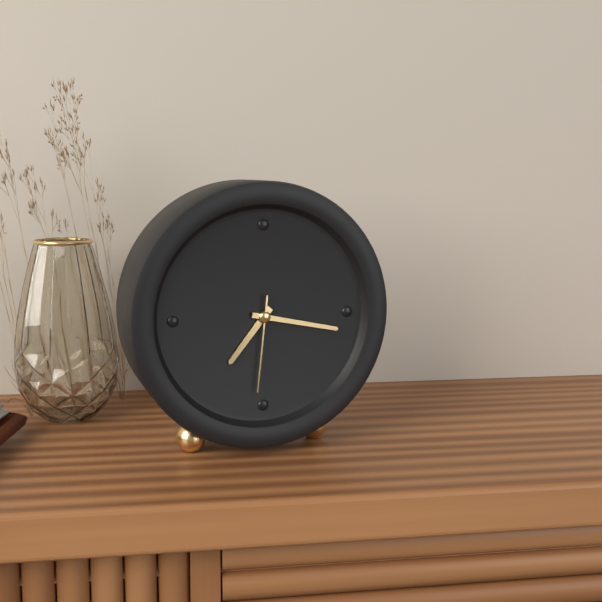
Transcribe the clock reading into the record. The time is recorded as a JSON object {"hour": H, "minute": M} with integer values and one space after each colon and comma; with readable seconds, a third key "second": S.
{"hour": 7, "minute": 17, "second": 31}
